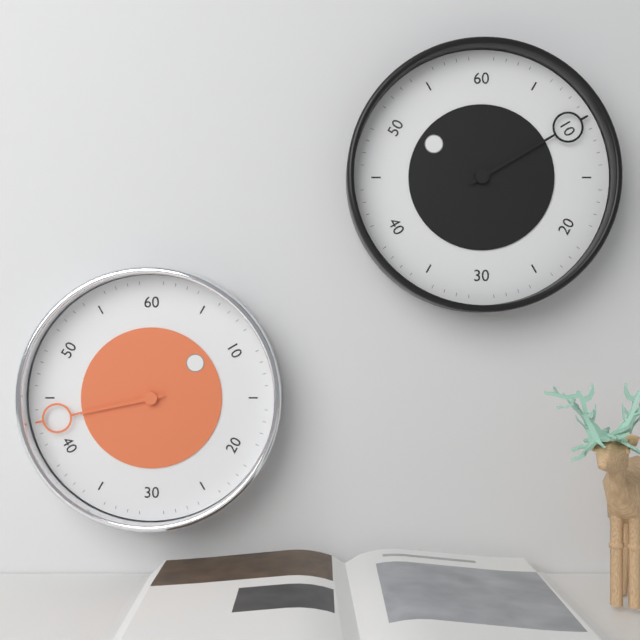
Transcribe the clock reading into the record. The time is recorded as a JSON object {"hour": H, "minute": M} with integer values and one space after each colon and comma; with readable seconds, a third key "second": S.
{"hour": 1, "minute": 43}
